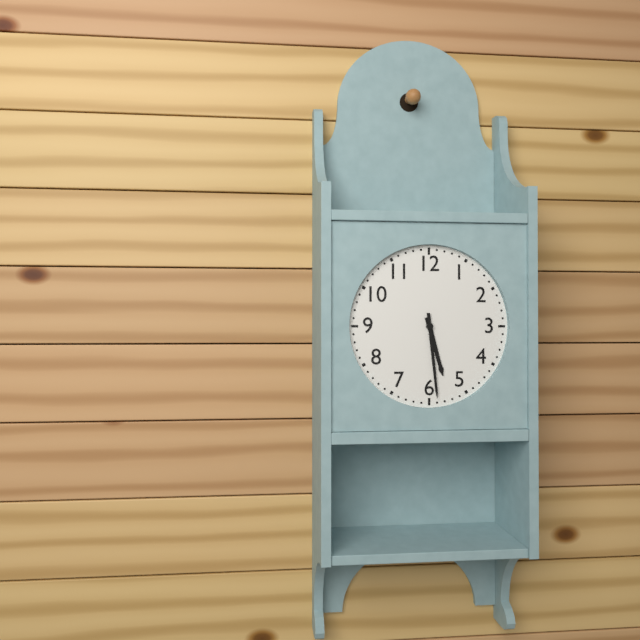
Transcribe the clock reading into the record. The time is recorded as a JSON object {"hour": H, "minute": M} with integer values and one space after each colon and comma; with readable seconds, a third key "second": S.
{"hour": 5, "minute": 29}
